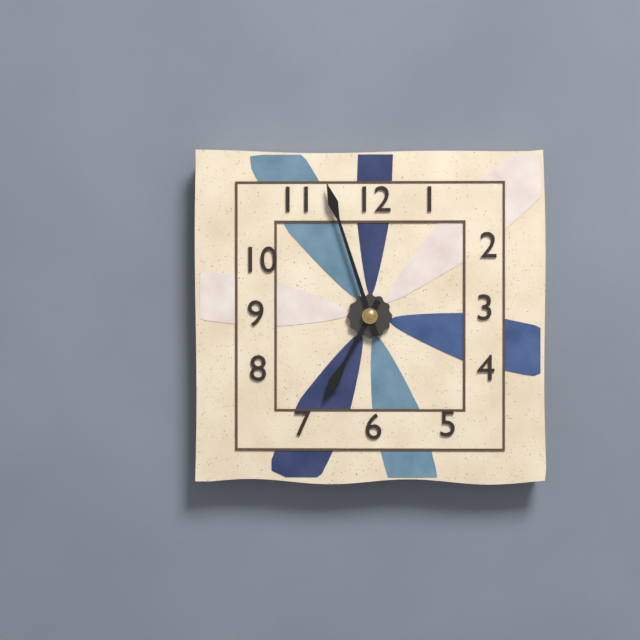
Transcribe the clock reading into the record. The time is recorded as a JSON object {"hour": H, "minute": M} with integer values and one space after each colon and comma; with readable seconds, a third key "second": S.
{"hour": 6, "minute": 57}
